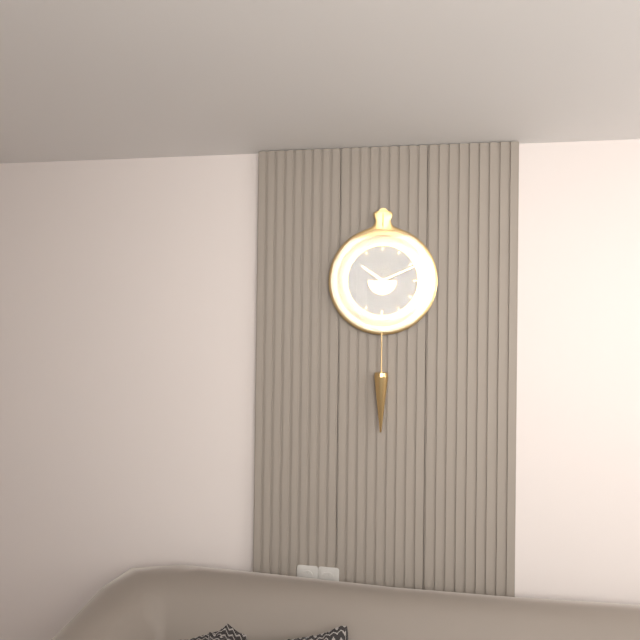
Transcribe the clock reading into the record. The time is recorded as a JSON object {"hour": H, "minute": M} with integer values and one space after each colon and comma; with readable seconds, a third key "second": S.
{"hour": 10, "minute": 11}
